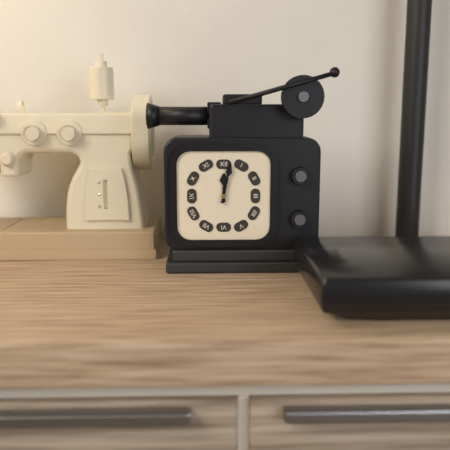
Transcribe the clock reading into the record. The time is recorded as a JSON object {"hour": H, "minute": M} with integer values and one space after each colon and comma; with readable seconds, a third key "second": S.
{"hour": 12, "minute": 2}
